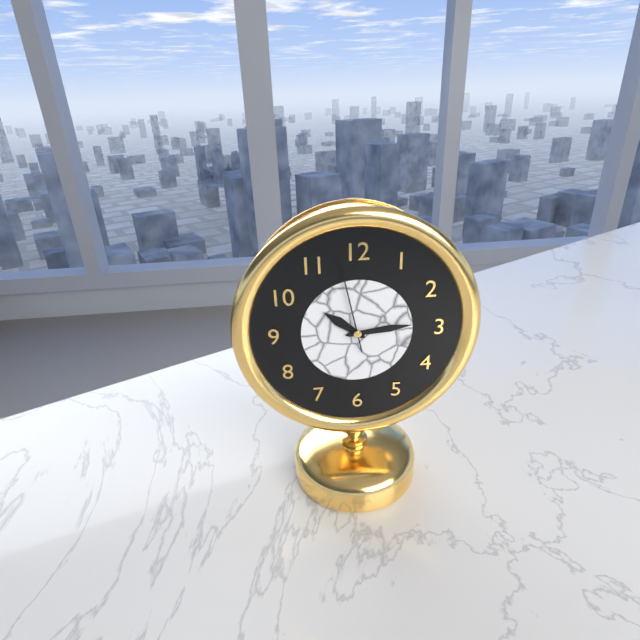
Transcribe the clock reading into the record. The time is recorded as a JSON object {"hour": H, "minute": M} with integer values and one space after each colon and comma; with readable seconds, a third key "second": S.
{"hour": 10, "minute": 14, "second": 58}
